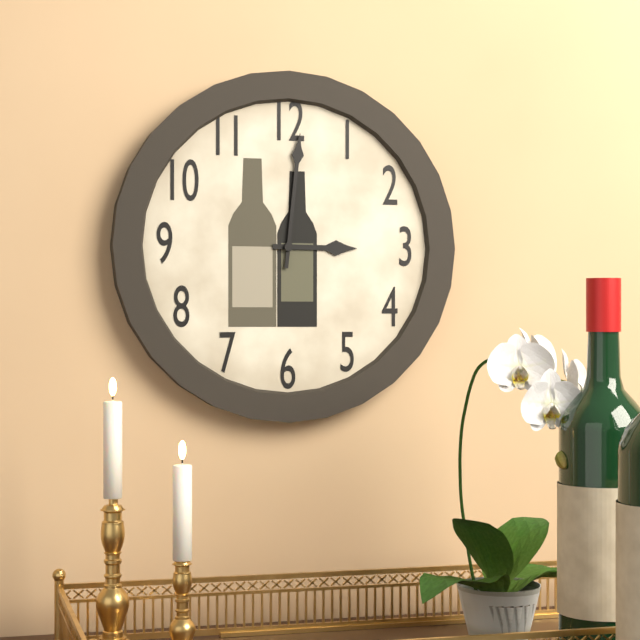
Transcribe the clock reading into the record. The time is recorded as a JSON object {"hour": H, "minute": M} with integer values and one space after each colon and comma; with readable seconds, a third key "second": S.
{"hour": 3, "minute": 1}
